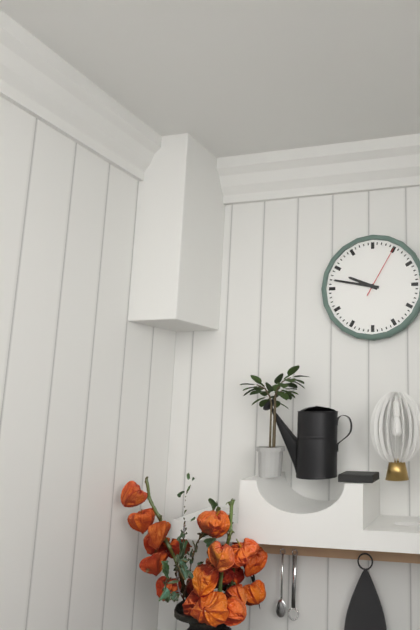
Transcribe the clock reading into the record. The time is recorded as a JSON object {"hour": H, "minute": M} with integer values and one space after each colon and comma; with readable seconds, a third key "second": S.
{"hour": 9, "minute": 47, "second": 5}
